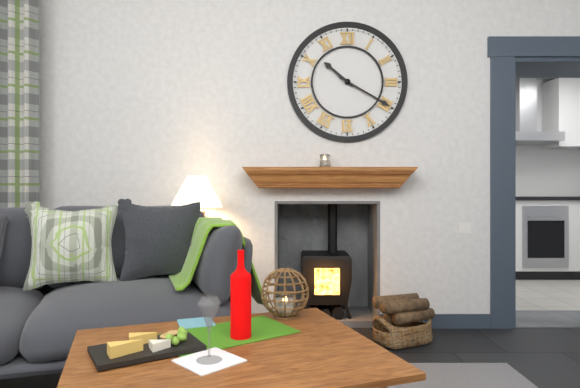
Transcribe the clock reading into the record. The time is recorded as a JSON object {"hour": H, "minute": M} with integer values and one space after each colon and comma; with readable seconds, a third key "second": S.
{"hour": 10, "minute": 20}
